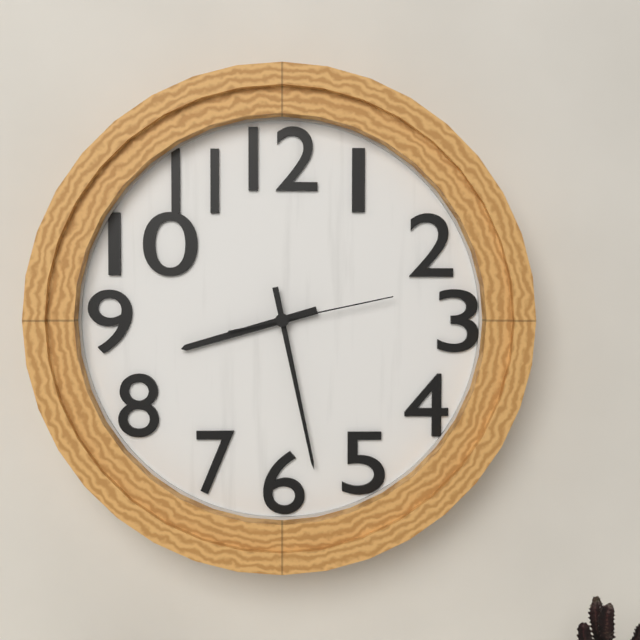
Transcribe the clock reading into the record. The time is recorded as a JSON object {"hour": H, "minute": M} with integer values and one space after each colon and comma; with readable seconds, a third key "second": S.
{"hour": 8, "minute": 28, "second": 13}
